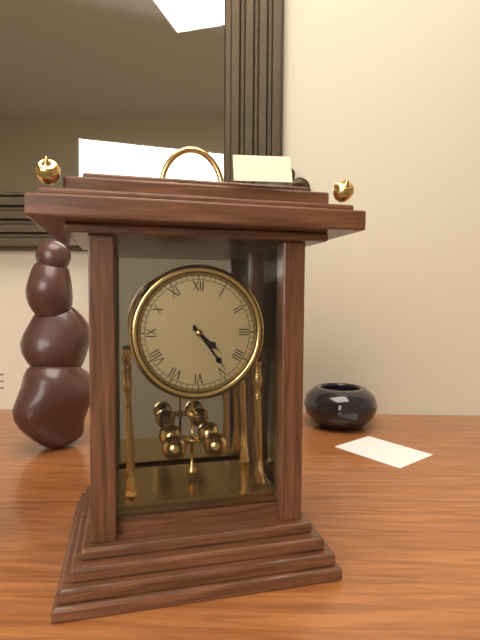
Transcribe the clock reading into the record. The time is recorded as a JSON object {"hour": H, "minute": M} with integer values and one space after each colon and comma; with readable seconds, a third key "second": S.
{"hour": 4, "minute": 24}
